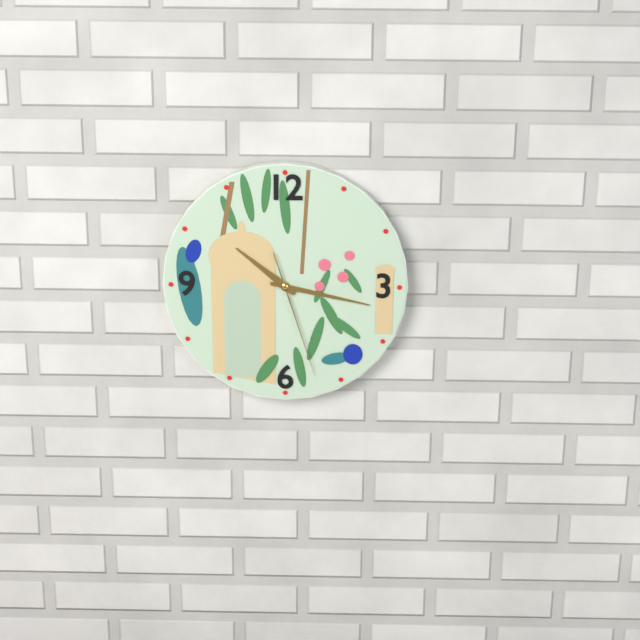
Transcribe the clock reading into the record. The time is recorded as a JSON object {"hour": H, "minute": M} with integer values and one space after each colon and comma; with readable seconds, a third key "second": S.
{"hour": 10, "minute": 17, "second": 27}
